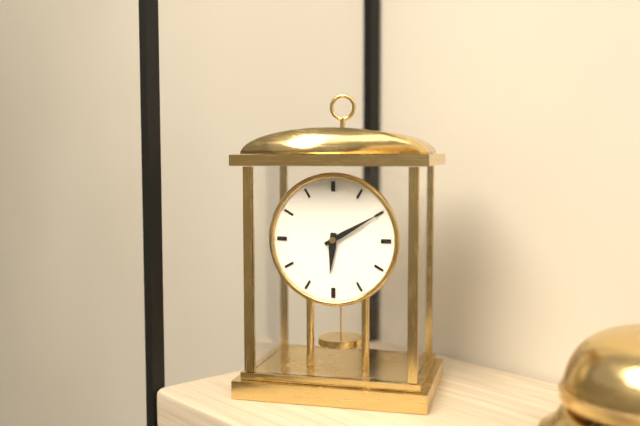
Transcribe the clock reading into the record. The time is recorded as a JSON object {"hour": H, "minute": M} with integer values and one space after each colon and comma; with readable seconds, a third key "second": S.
{"hour": 6, "minute": 10}
